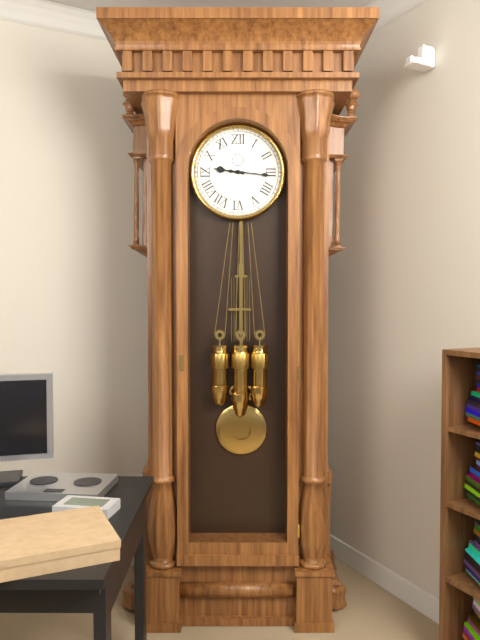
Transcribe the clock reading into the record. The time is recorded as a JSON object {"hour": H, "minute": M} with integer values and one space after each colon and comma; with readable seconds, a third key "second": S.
{"hour": 9, "minute": 16}
